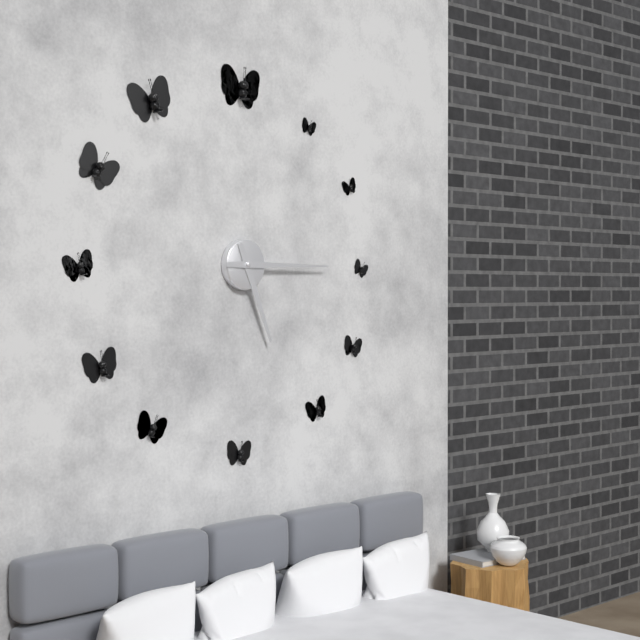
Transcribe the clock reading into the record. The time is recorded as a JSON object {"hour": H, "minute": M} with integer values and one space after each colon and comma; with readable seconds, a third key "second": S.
{"hour": 5, "minute": 15}
